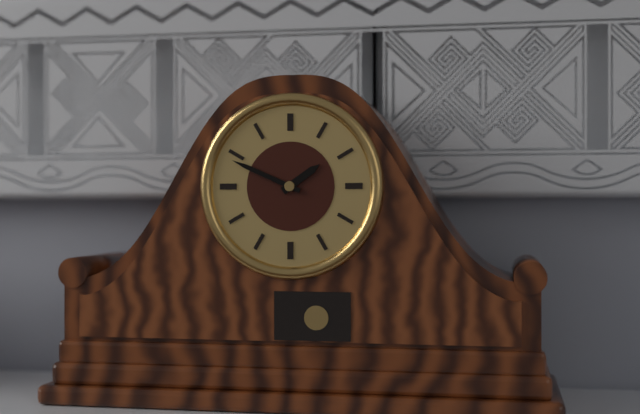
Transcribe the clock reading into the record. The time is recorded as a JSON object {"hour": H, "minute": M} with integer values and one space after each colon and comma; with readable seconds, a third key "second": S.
{"hour": 1, "minute": 49}
